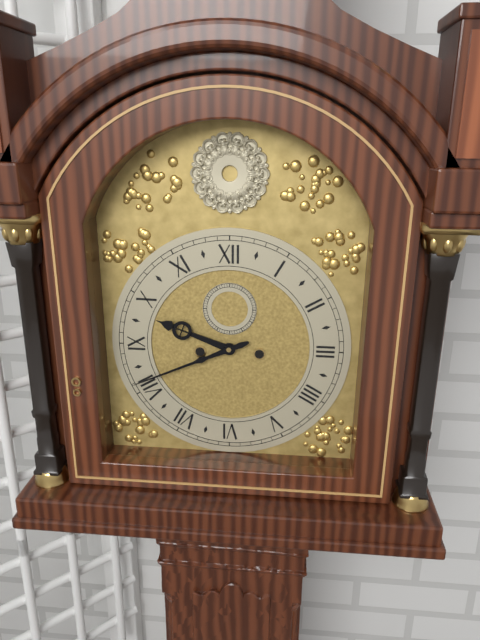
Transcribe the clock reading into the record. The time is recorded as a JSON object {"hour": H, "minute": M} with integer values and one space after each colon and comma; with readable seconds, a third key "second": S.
{"hour": 9, "minute": 41}
